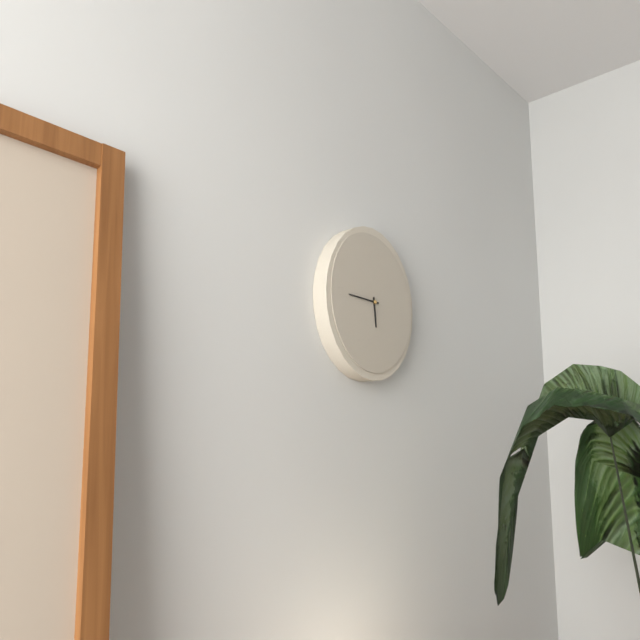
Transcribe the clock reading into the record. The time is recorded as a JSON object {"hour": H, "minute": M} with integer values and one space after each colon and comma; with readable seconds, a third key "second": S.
{"hour": 5, "minute": 45}
